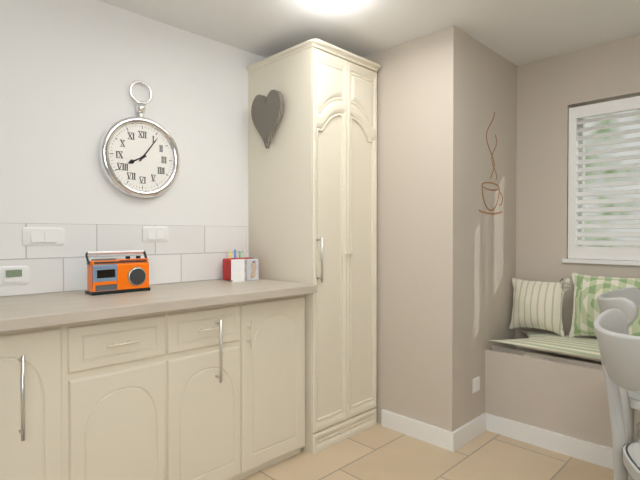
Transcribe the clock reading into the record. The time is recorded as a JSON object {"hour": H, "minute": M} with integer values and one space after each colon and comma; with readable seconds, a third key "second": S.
{"hour": 8, "minute": 6}
